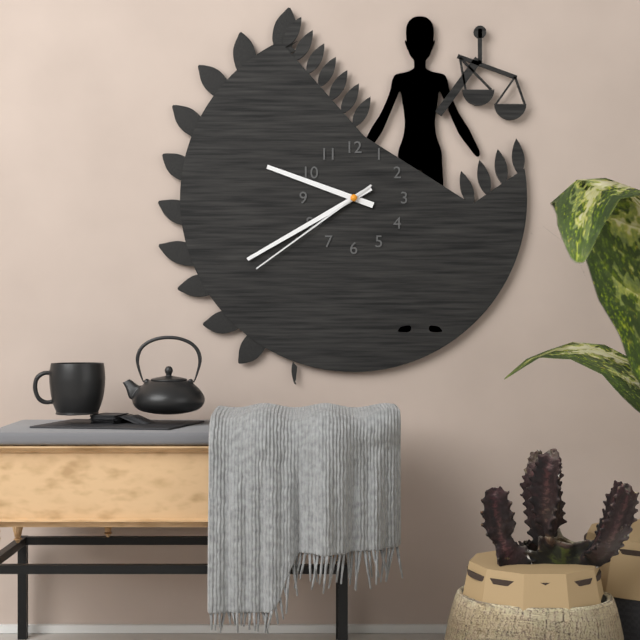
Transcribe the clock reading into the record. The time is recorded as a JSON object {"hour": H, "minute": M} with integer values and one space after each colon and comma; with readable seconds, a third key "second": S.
{"hour": 9, "minute": 40, "second": 39}
